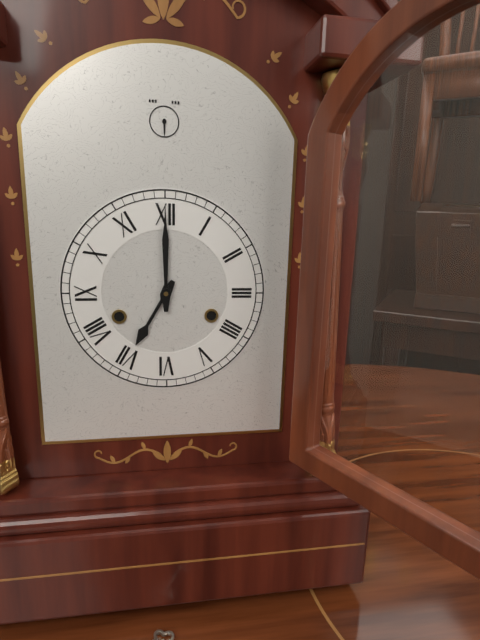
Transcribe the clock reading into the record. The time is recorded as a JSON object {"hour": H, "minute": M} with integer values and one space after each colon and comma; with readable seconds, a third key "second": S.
{"hour": 7, "minute": 0}
